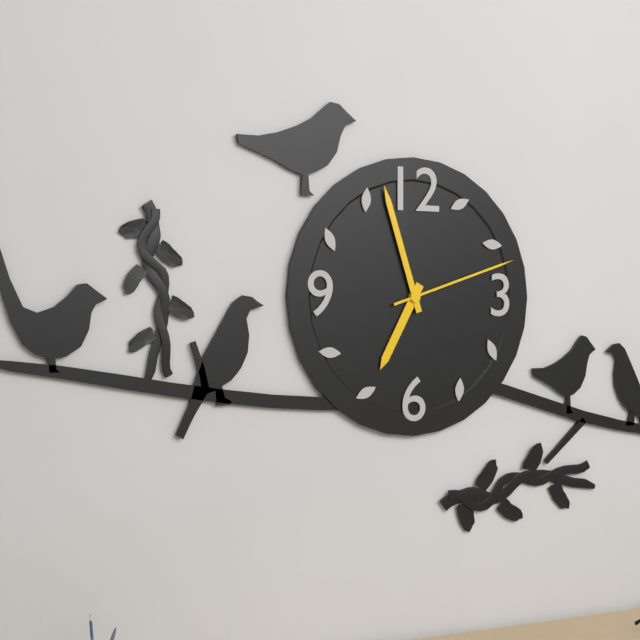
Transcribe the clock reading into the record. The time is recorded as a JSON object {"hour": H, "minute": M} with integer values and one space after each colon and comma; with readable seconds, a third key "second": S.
{"hour": 6, "minute": 57, "second": 12}
